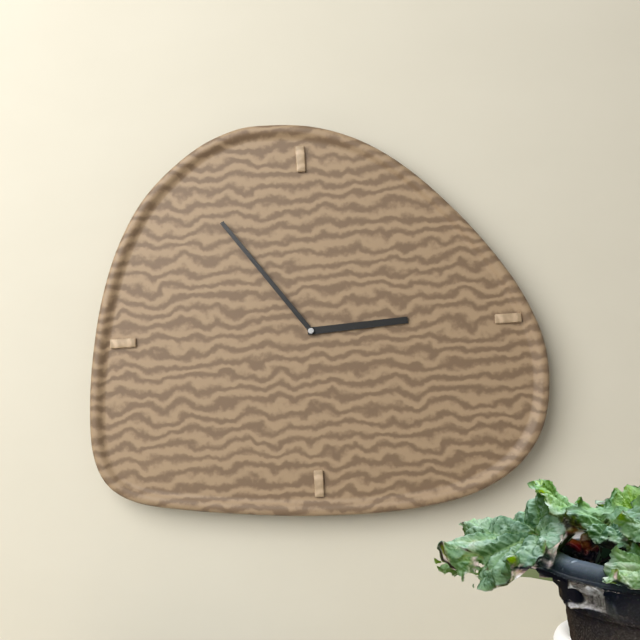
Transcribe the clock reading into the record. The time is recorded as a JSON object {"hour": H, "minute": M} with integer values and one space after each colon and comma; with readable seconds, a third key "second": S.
{"hour": 2, "minute": 54}
